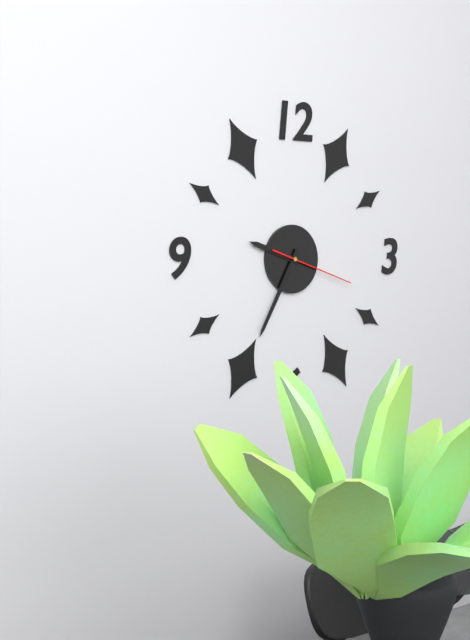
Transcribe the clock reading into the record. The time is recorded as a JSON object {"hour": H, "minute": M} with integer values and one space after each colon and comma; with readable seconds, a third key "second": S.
{"hour": 9, "minute": 35, "second": 18}
